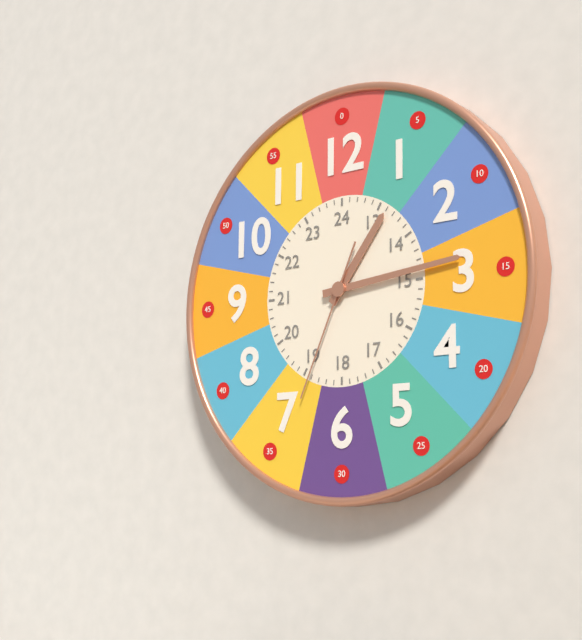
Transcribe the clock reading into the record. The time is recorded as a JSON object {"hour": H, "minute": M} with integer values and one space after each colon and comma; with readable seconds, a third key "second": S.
{"hour": 1, "minute": 14, "second": 34}
